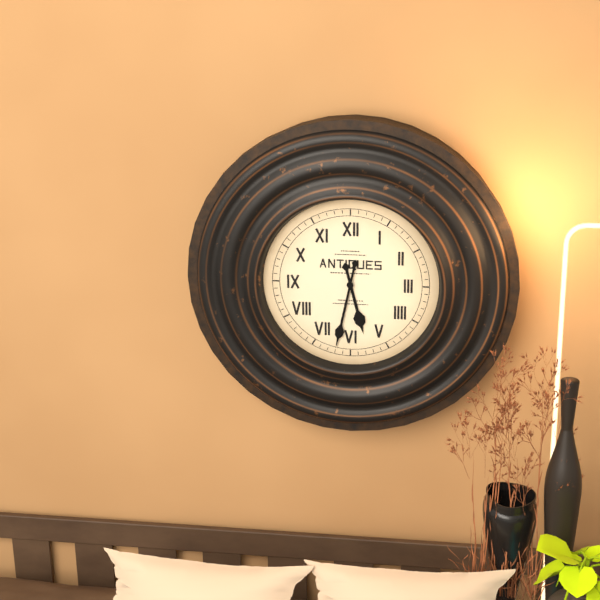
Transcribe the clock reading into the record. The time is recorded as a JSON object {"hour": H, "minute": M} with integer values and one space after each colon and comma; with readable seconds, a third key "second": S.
{"hour": 5, "minute": 32}
